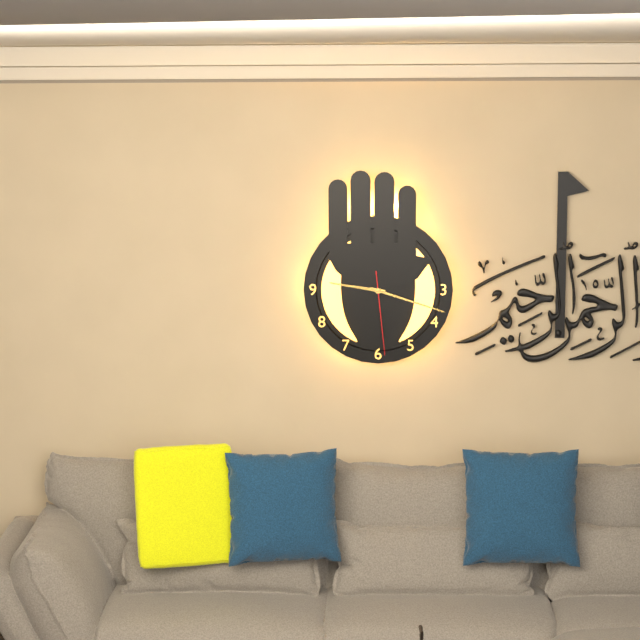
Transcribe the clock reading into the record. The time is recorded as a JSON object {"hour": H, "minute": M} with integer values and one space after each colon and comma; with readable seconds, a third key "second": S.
{"hour": 9, "minute": 18, "second": 29}
